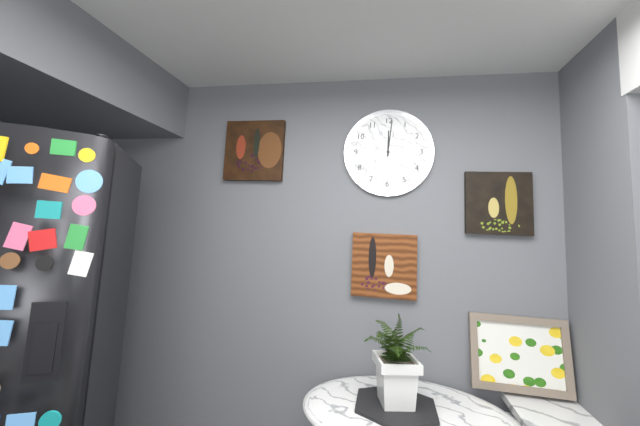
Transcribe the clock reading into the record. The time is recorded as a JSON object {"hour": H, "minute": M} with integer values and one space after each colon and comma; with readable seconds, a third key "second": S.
{"hour": 12, "minute": 1}
